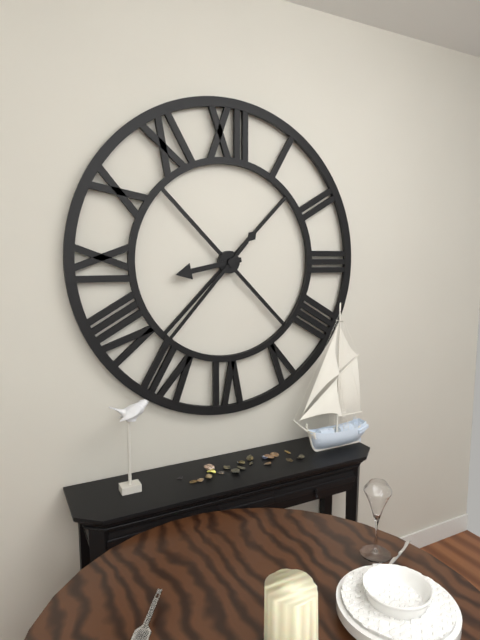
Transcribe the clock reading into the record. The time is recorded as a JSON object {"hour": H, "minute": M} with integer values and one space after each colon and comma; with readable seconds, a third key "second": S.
{"hour": 8, "minute": 37}
